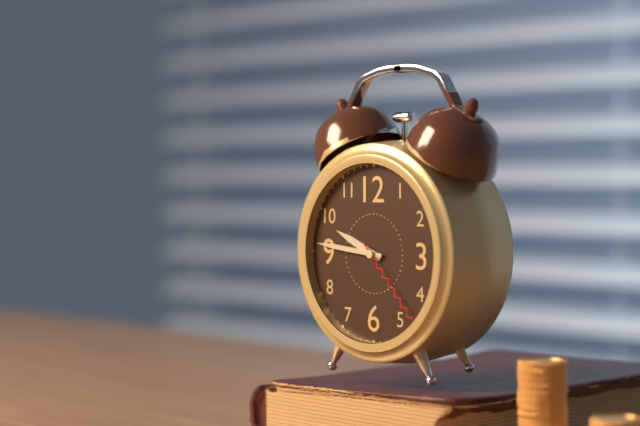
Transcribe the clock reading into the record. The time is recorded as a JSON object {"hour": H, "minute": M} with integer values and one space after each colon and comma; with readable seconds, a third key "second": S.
{"hour": 9, "minute": 46, "second": 23}
